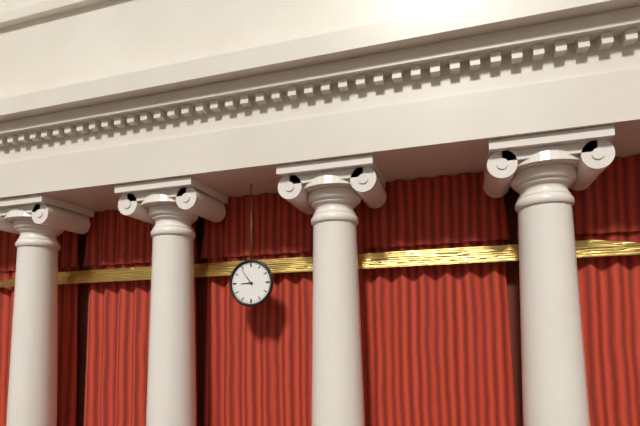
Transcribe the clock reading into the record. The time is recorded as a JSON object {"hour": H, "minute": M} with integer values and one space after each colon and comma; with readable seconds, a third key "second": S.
{"hour": 8, "minute": 54}
